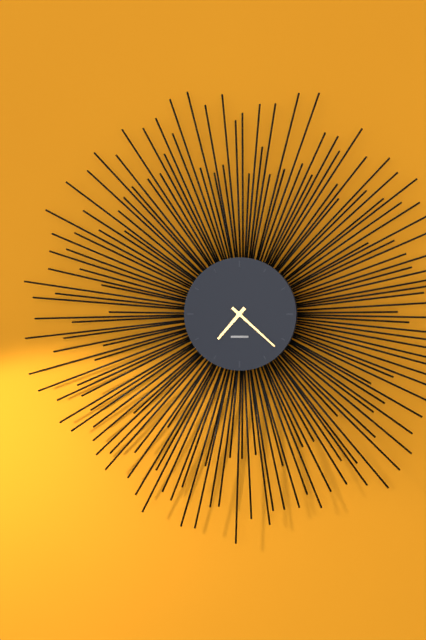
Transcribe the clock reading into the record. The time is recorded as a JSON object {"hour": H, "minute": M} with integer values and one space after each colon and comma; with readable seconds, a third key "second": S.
{"hour": 7, "minute": 22}
